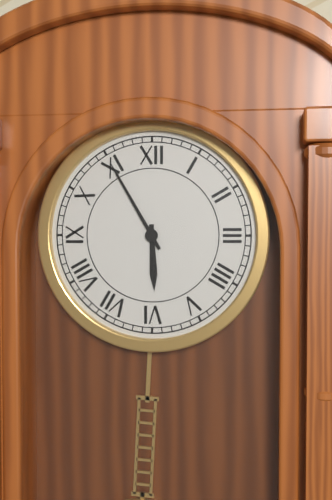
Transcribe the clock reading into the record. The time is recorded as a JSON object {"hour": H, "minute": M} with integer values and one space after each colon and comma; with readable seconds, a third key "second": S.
{"hour": 5, "minute": 55}
